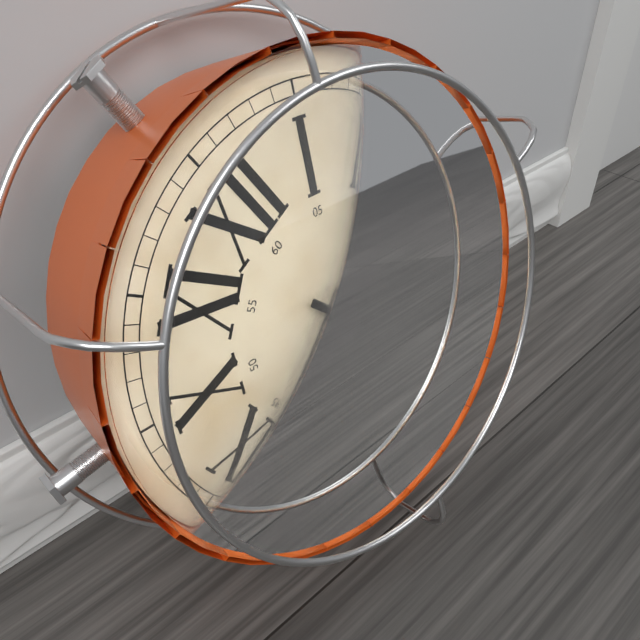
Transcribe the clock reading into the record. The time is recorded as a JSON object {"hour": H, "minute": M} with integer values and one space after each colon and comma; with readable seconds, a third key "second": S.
{"hour": 8, "minute": 27}
